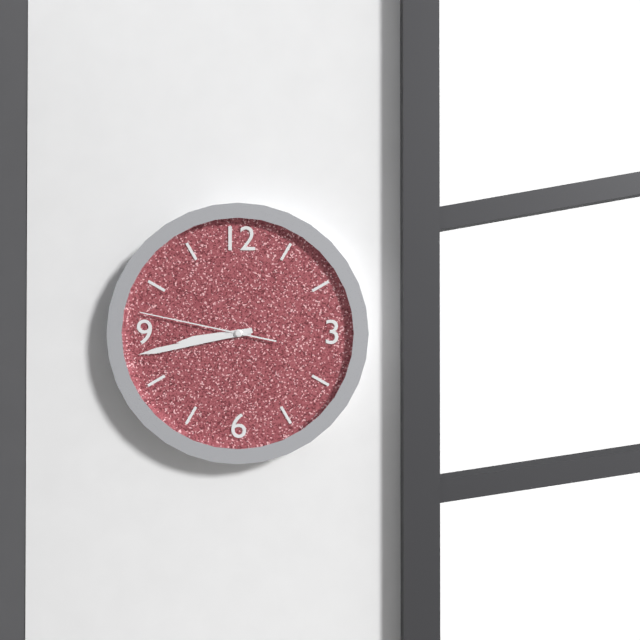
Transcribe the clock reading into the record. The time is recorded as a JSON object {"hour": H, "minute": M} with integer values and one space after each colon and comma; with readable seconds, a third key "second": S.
{"hour": 8, "minute": 43, "second": 47}
